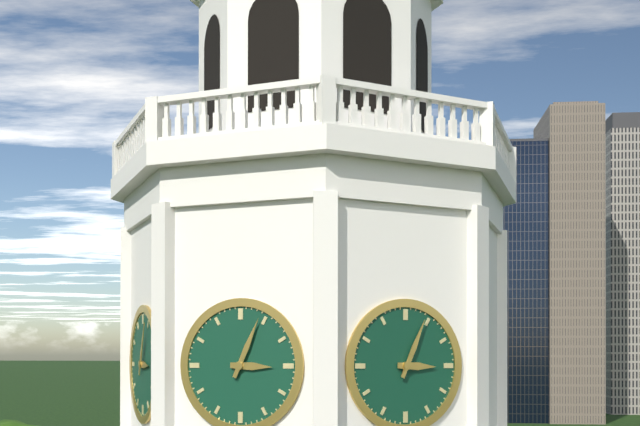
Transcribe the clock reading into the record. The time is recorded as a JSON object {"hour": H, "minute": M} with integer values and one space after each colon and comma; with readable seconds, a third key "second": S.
{"hour": 3, "minute": 4}
